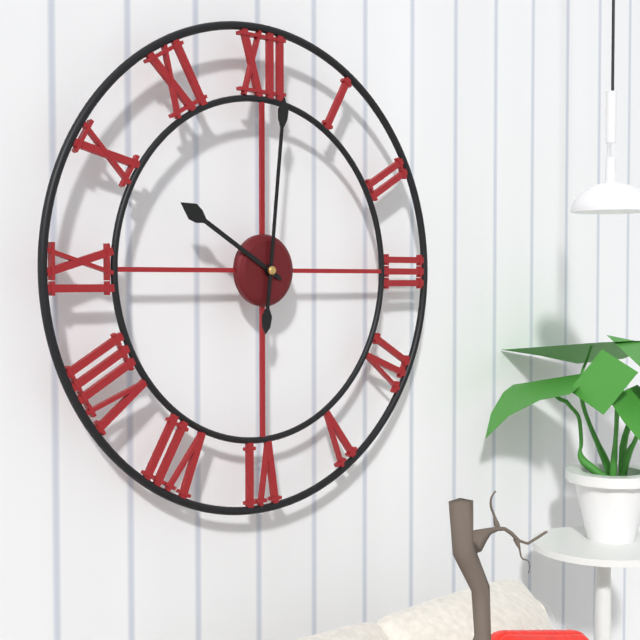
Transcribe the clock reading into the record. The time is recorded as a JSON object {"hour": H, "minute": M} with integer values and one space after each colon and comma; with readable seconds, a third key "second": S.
{"hour": 10, "minute": 1}
